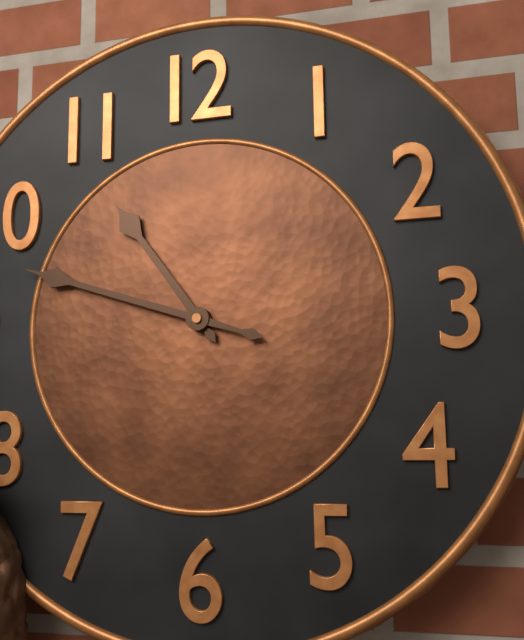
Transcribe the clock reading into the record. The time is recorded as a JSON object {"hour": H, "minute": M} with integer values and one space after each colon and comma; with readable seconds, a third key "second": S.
{"hour": 10, "minute": 48}
